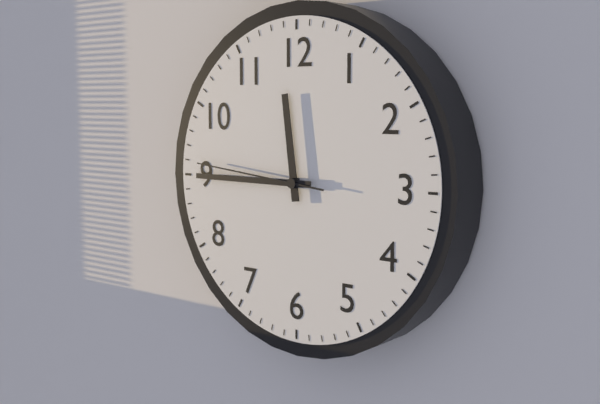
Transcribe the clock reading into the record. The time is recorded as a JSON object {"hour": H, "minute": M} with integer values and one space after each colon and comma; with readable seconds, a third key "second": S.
{"hour": 11, "minute": 45, "second": 46}
